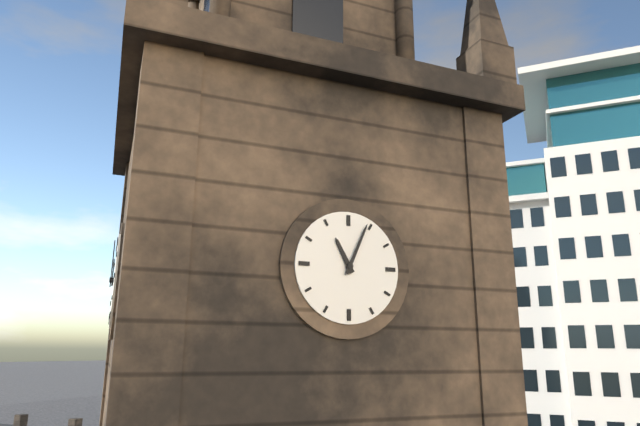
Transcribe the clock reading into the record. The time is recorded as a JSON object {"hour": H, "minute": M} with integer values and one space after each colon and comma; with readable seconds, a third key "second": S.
{"hour": 11, "minute": 4}
